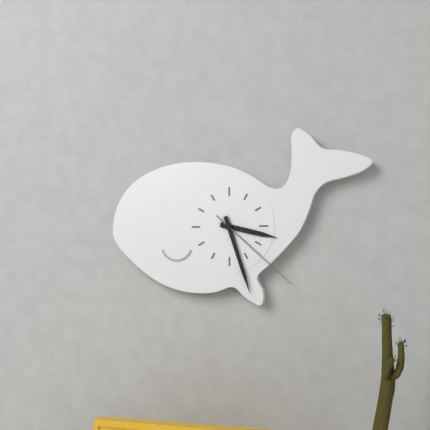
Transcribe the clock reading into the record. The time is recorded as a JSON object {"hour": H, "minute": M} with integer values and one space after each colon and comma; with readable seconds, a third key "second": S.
{"hour": 3, "minute": 27, "second": 22}
